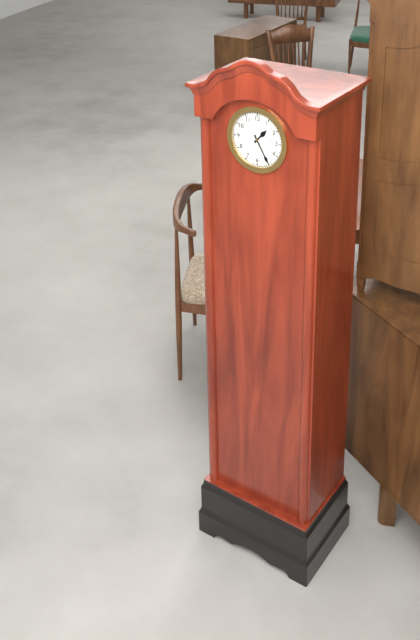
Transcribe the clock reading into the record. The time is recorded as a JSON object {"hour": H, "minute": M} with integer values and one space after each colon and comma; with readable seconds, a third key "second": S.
{"hour": 1, "minute": 25}
